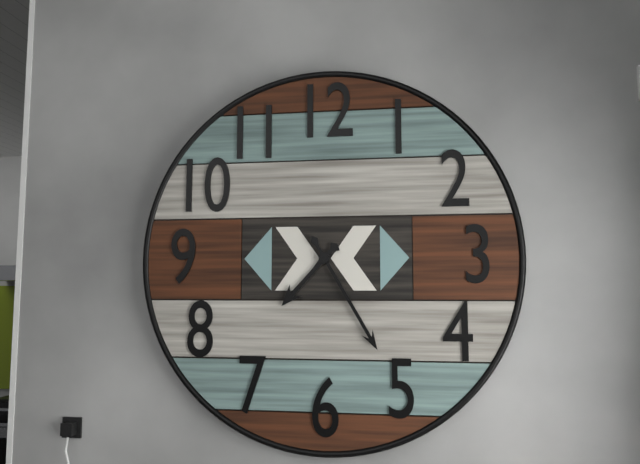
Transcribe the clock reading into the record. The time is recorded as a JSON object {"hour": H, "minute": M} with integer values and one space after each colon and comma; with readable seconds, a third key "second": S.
{"hour": 7, "minute": 25}
